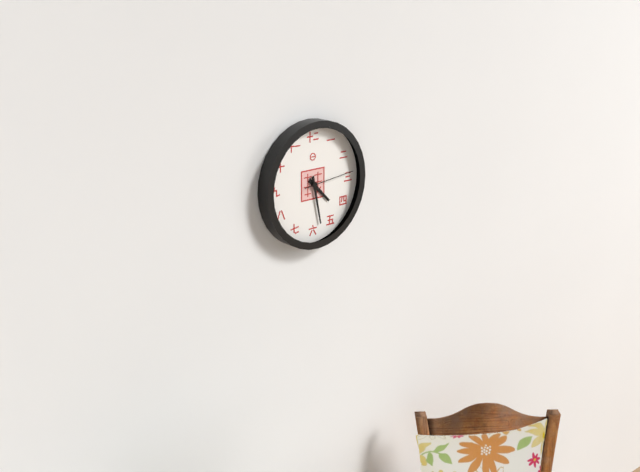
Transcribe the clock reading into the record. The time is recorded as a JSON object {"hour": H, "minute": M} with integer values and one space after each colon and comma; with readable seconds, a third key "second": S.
{"hour": 4, "minute": 28, "second": 14}
